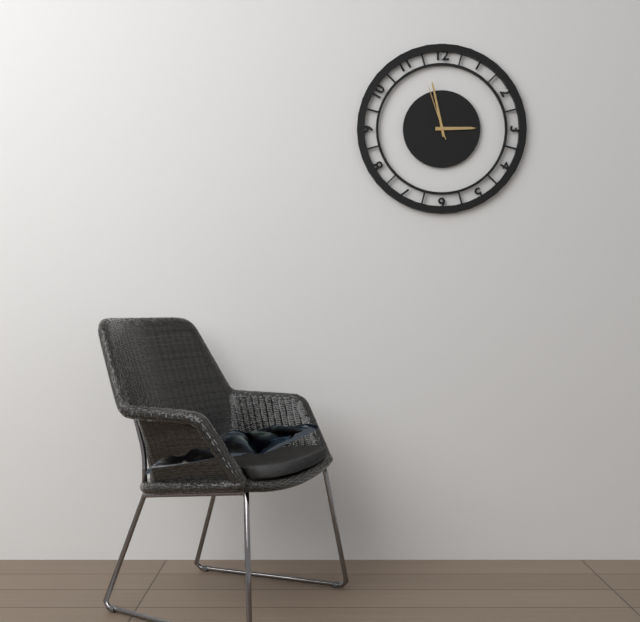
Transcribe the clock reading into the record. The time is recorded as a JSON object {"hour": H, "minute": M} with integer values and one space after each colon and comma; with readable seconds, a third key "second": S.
{"hour": 2, "minute": 58, "second": 57}
